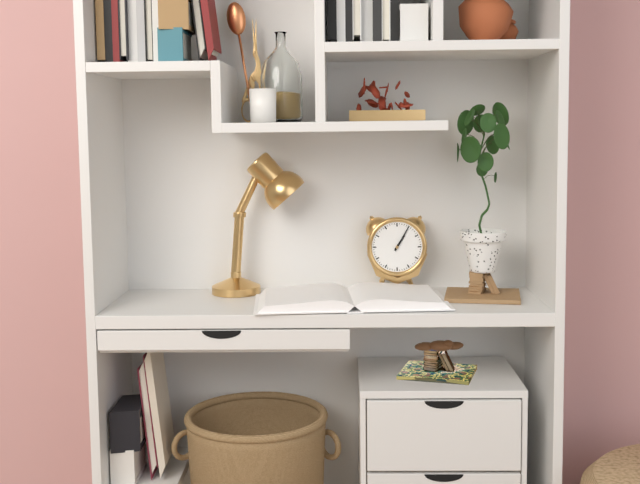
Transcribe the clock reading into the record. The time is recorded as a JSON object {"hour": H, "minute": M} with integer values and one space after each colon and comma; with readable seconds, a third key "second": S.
{"hour": 1, "minute": 5}
